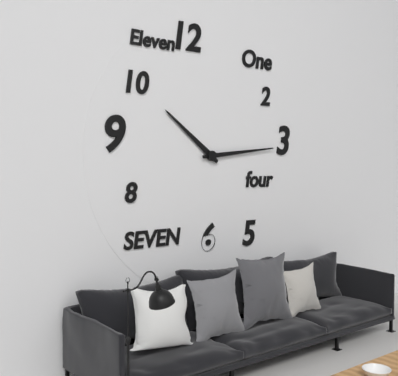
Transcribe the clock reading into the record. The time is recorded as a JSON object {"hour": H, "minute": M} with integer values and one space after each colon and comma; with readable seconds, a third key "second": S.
{"hour": 10, "minute": 14}
